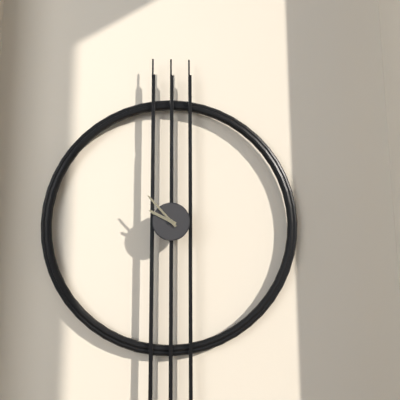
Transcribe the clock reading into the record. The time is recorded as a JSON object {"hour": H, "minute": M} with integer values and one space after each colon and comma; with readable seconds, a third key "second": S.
{"hour": 9, "minute": 53}
